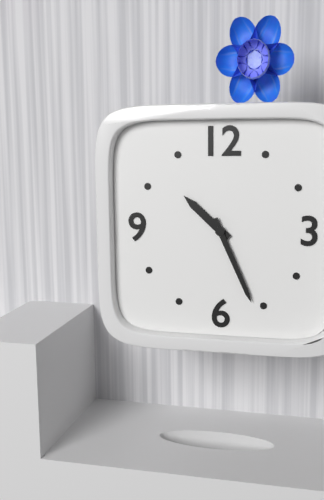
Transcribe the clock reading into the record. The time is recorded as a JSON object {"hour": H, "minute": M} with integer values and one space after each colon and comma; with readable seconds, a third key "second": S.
{"hour": 10, "minute": 26}
